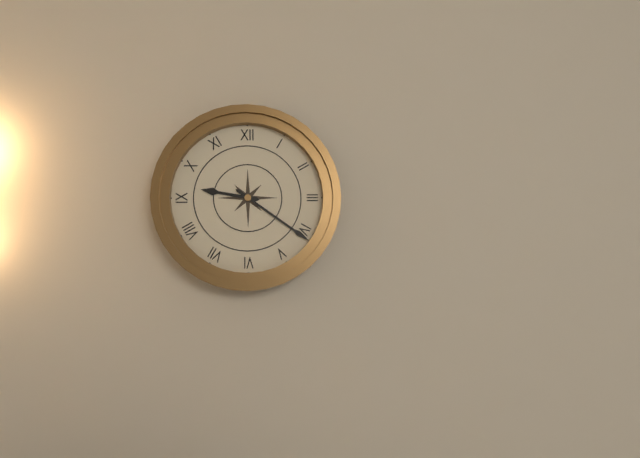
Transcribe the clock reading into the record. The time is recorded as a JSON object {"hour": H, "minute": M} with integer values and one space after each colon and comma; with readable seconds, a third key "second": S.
{"hour": 9, "minute": 21}
